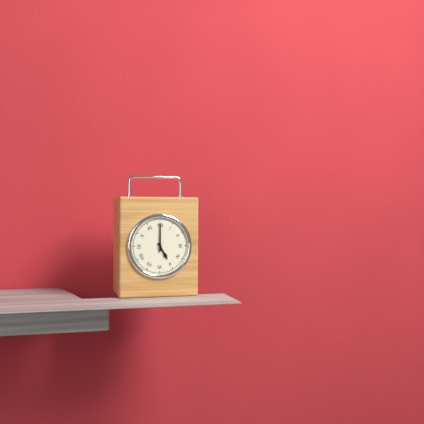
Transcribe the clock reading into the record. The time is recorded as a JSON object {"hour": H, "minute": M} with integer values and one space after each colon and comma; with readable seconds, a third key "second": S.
{"hour": 5, "minute": 0}
